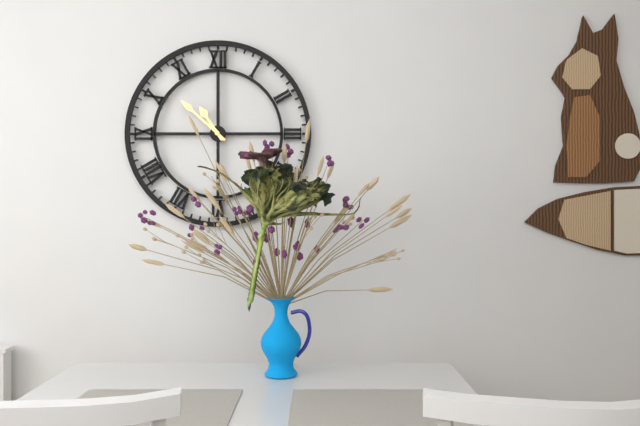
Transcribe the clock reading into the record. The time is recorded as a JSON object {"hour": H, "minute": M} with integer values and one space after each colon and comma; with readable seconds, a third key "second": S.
{"hour": 10, "minute": 52}
